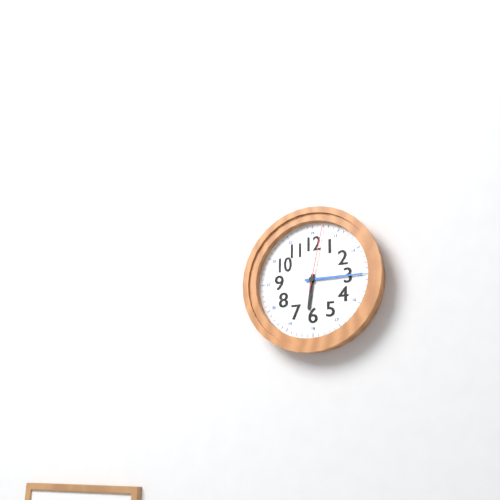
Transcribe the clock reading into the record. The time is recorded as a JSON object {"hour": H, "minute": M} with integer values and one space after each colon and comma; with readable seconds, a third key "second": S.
{"hour": 6, "minute": 15, "second": 2}
